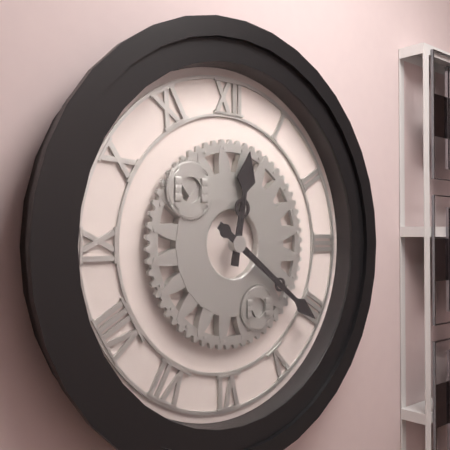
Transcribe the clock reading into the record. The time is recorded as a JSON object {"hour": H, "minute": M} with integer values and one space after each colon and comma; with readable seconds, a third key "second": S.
{"hour": 12, "minute": 21}
